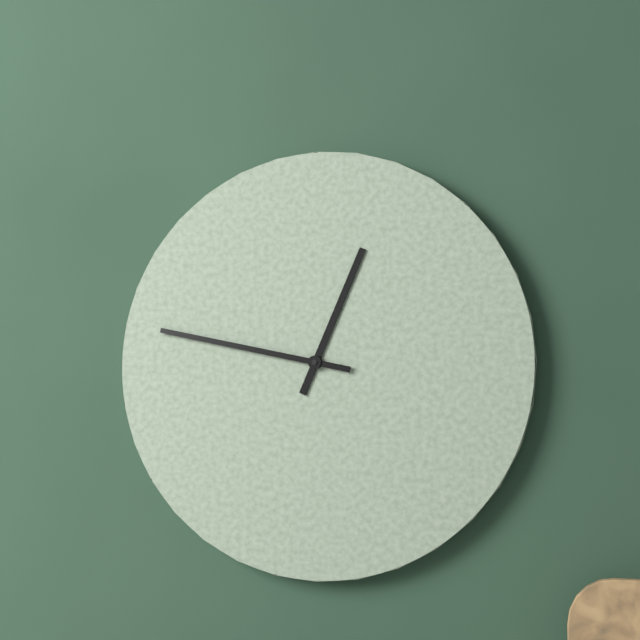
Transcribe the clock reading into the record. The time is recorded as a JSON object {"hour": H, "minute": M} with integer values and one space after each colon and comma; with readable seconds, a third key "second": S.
{"hour": 12, "minute": 47}
